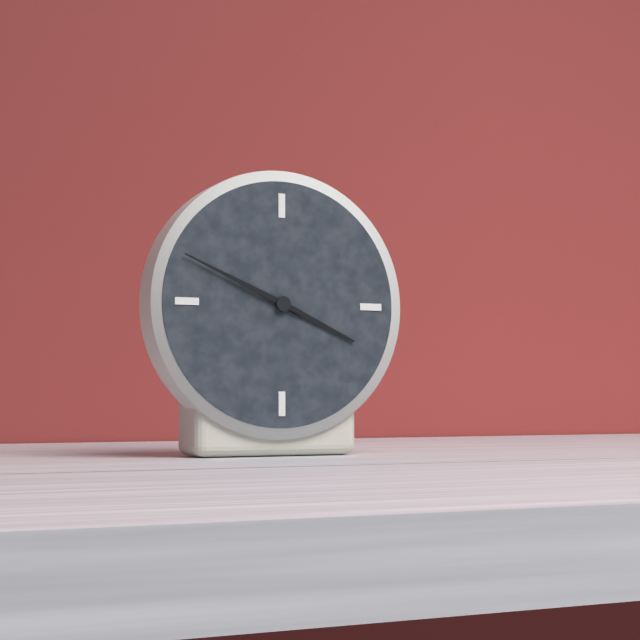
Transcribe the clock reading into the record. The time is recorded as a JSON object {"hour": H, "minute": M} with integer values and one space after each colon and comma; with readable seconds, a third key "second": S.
{"hour": 3, "minute": 49}
